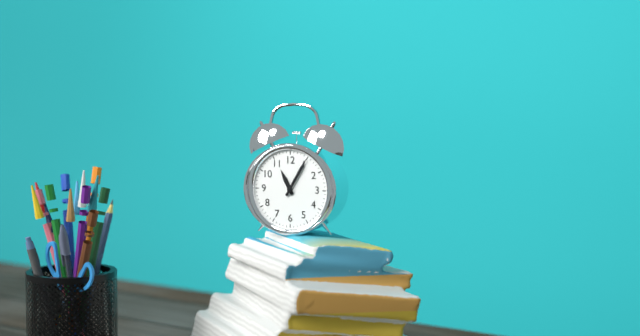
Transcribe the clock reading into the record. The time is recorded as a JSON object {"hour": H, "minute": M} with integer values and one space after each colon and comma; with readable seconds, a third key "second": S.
{"hour": 11, "minute": 5}
